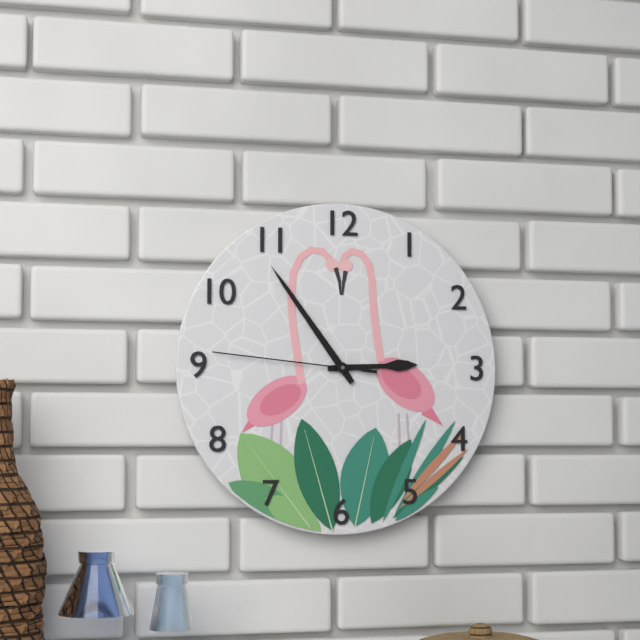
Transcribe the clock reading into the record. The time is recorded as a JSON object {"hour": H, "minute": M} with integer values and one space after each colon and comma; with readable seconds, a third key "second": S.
{"hour": 2, "minute": 54, "second": 46}
